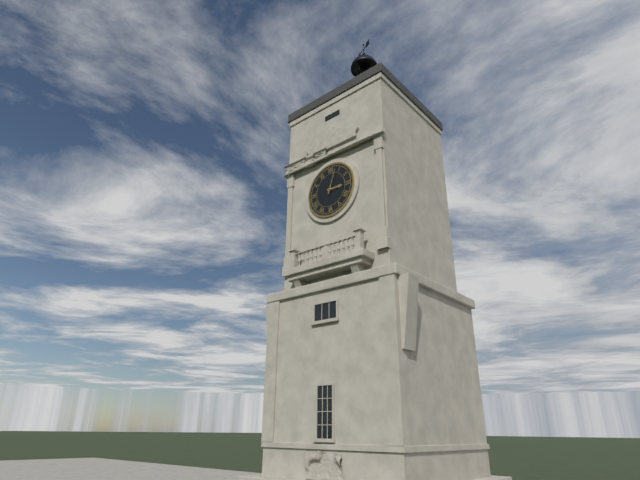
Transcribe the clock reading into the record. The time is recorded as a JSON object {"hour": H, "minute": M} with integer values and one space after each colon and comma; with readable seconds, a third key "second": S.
{"hour": 3, "minute": 3}
